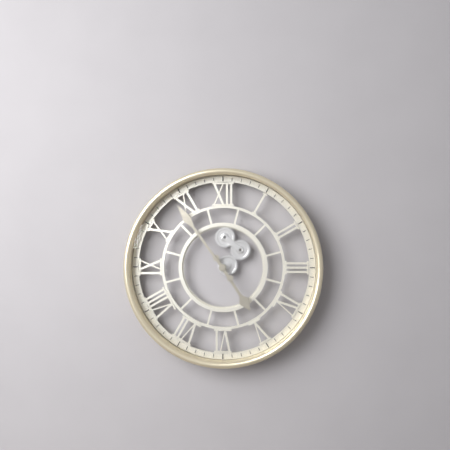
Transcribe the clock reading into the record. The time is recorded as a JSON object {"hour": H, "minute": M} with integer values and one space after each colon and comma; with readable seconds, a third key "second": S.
{"hour": 4, "minute": 54}
